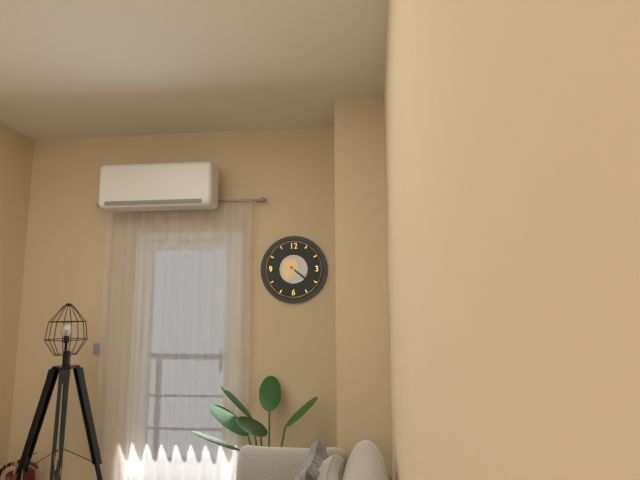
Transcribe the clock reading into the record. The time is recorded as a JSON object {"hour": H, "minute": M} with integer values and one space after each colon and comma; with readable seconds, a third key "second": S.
{"hour": 4, "minute": 21}
